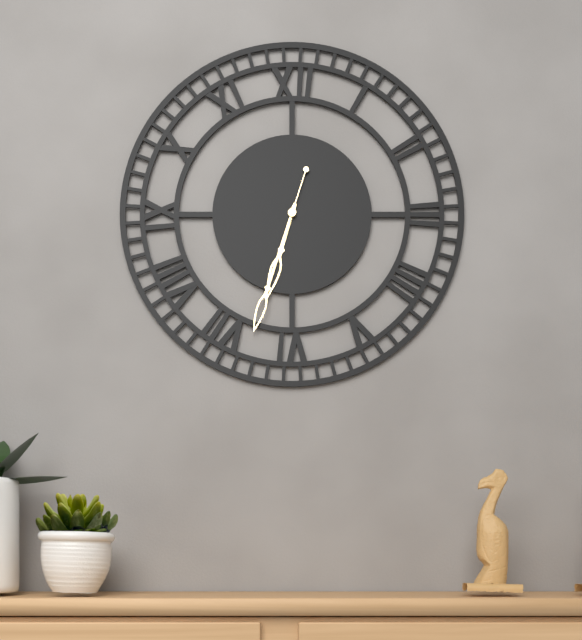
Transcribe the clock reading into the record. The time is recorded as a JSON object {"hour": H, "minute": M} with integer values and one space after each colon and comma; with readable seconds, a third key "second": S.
{"hour": 6, "minute": 33, "second": 33}
